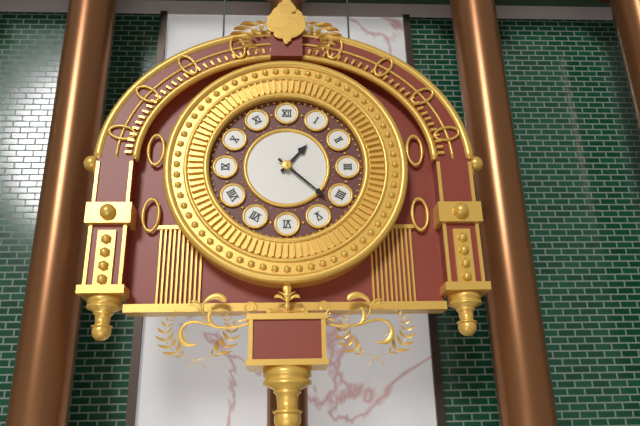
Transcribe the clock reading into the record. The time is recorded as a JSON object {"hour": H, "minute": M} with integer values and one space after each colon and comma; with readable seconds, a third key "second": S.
{"hour": 1, "minute": 22}
